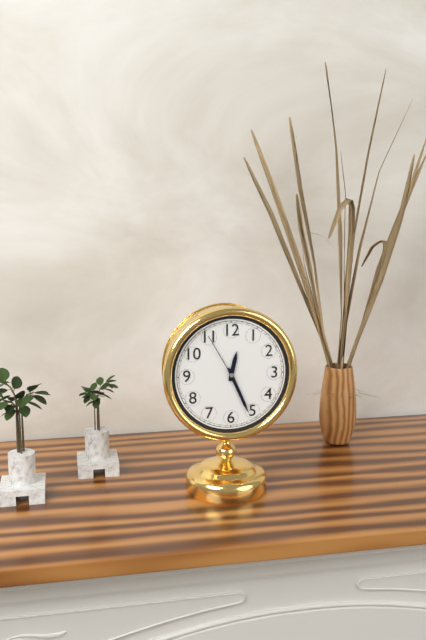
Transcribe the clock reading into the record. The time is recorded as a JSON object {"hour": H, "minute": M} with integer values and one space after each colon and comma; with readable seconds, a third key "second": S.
{"hour": 12, "minute": 26}
